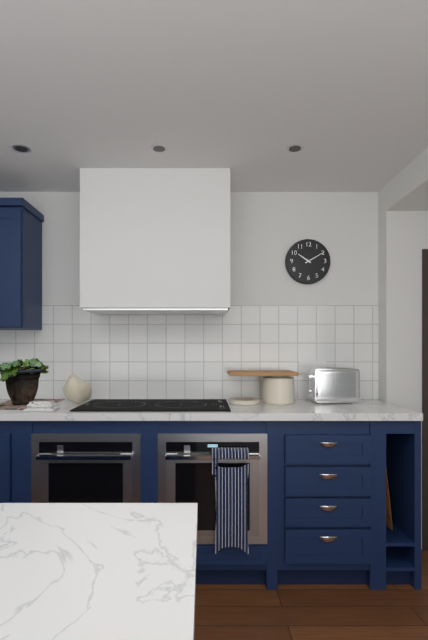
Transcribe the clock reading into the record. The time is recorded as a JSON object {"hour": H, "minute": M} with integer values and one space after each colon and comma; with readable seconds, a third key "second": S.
{"hour": 10, "minute": 10}
